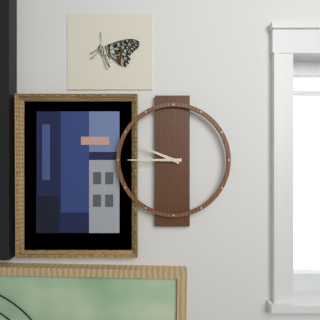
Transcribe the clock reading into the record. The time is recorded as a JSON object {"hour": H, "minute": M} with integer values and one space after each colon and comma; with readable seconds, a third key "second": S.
{"hour": 9, "minute": 45}
